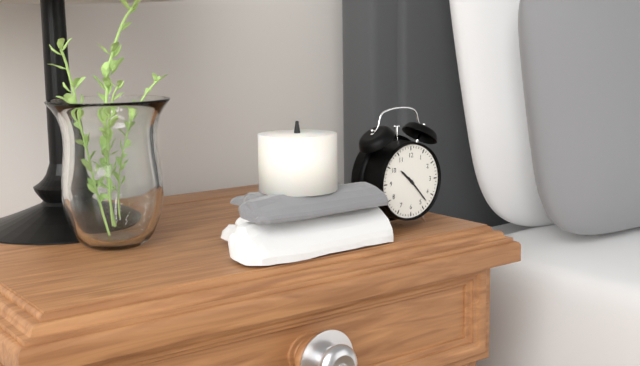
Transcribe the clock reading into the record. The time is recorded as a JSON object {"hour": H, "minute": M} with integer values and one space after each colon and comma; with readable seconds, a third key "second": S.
{"hour": 10, "minute": 23}
